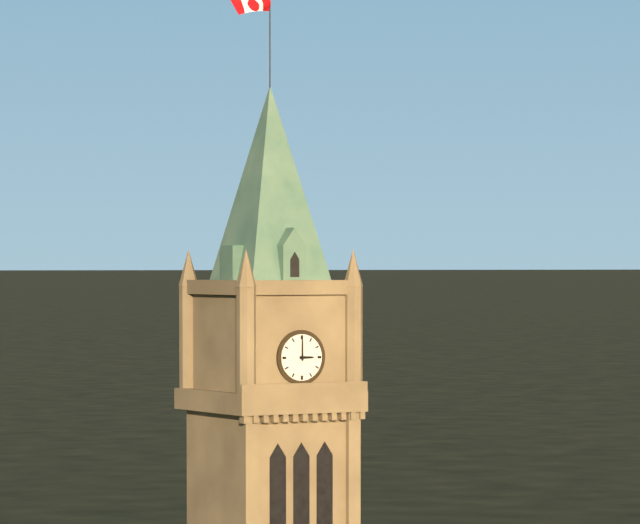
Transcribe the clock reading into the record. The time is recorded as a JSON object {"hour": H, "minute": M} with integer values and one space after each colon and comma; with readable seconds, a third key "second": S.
{"hour": 3, "minute": 0}
